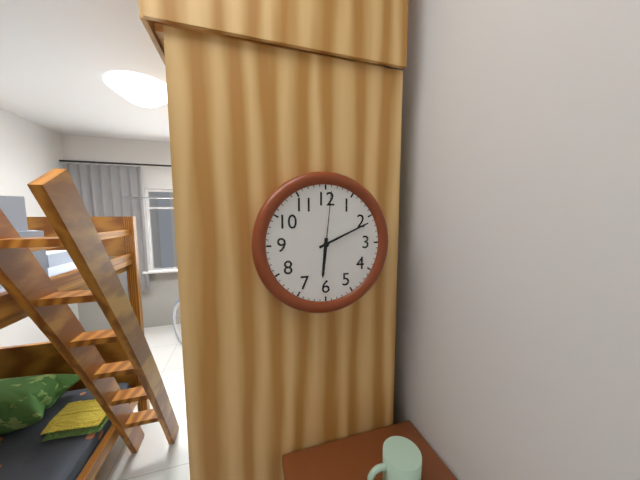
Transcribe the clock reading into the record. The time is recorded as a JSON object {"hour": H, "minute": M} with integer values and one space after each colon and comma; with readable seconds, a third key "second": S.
{"hour": 6, "minute": 11, "second": 1}
